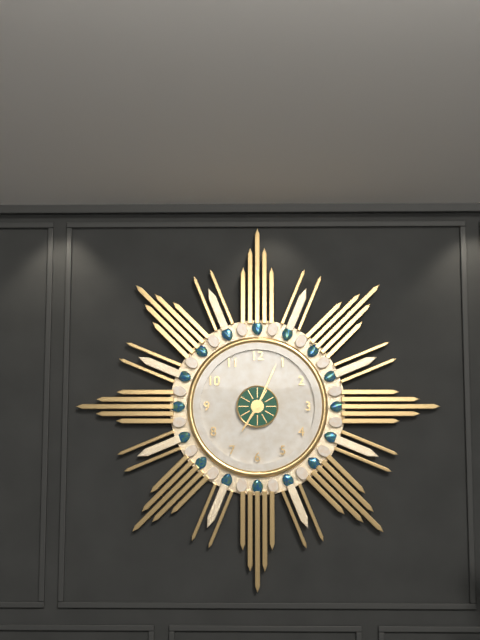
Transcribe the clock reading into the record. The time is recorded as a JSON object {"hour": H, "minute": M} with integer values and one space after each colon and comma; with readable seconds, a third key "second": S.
{"hour": 7, "minute": 4}
